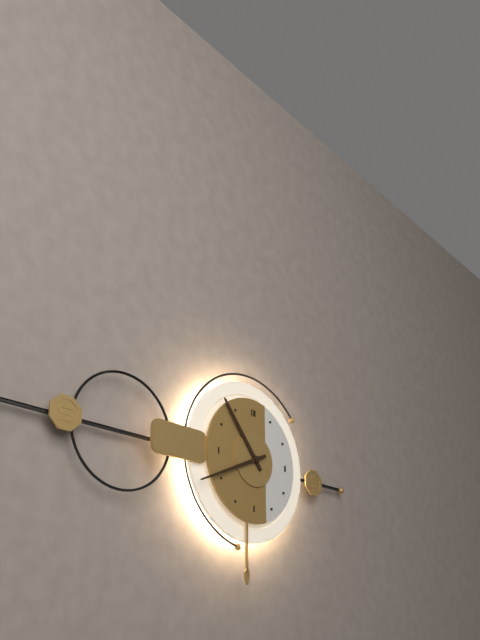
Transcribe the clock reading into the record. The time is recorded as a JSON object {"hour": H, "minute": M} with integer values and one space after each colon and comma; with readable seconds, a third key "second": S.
{"hour": 10, "minute": 41}
